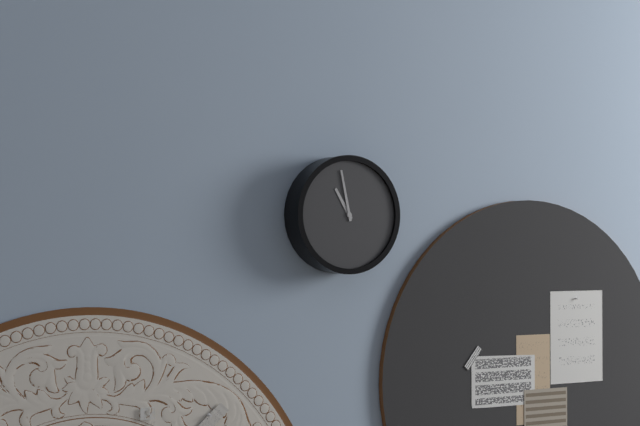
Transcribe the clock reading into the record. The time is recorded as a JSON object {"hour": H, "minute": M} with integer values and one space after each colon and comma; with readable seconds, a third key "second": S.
{"hour": 10, "minute": 58}
